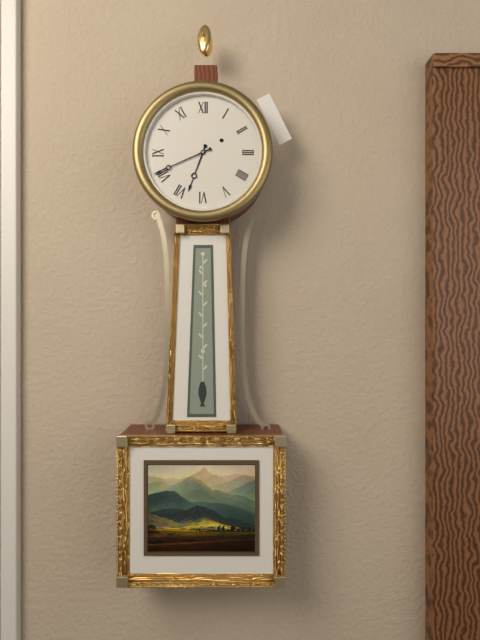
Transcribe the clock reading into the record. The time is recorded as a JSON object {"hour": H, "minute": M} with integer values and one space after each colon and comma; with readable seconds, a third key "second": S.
{"hour": 6, "minute": 41}
